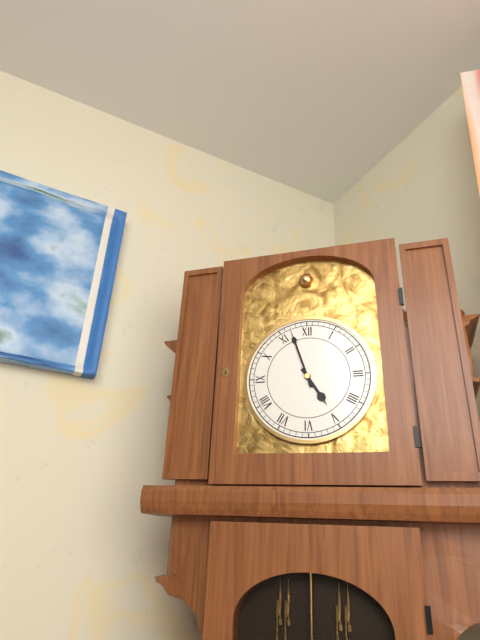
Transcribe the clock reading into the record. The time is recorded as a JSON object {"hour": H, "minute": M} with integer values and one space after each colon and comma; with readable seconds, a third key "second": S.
{"hour": 4, "minute": 57}
